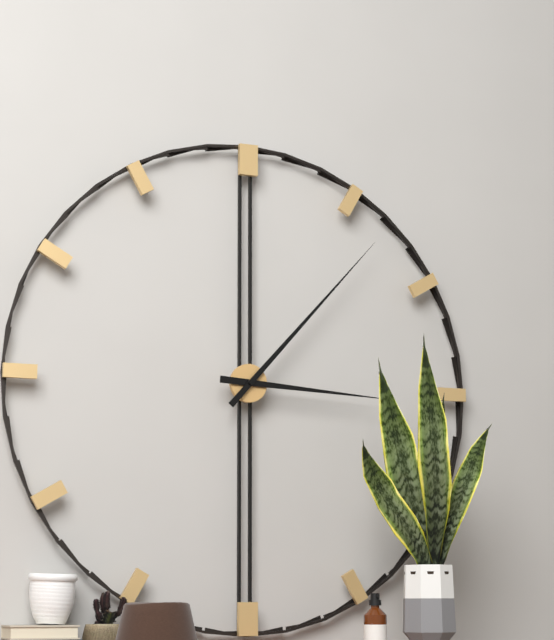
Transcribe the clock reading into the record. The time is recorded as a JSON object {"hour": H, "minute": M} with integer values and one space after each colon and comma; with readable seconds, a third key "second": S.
{"hour": 3, "minute": 7}
